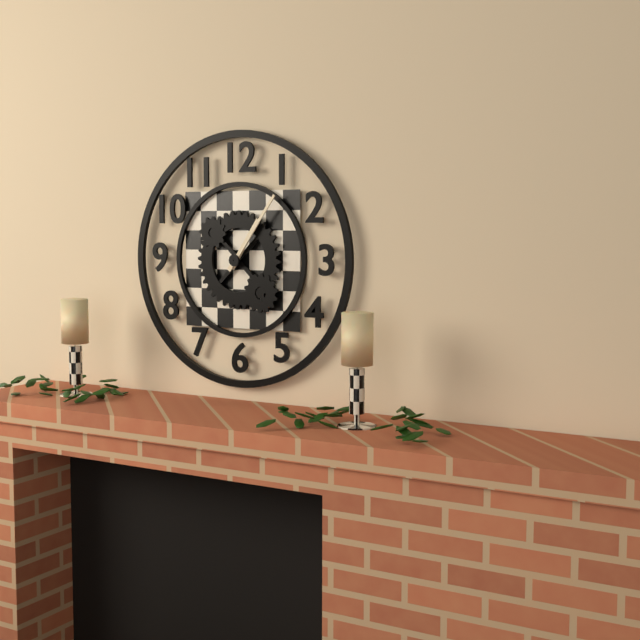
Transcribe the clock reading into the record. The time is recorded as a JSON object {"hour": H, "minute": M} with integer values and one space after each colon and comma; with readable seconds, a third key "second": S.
{"hour": 1, "minute": 6}
